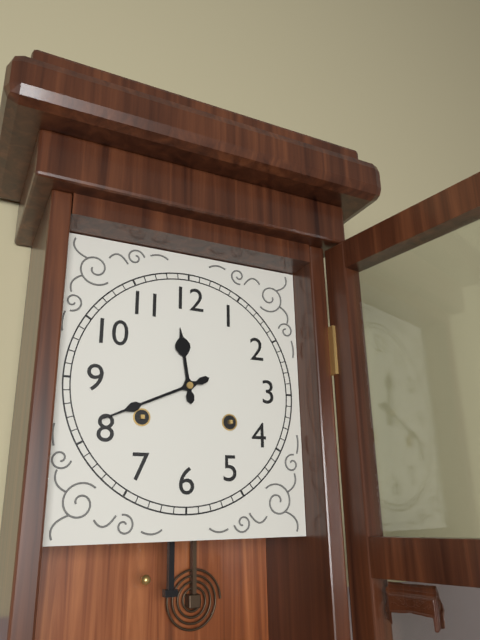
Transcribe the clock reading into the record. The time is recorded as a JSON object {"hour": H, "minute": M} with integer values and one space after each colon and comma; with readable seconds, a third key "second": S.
{"hour": 11, "minute": 41}
